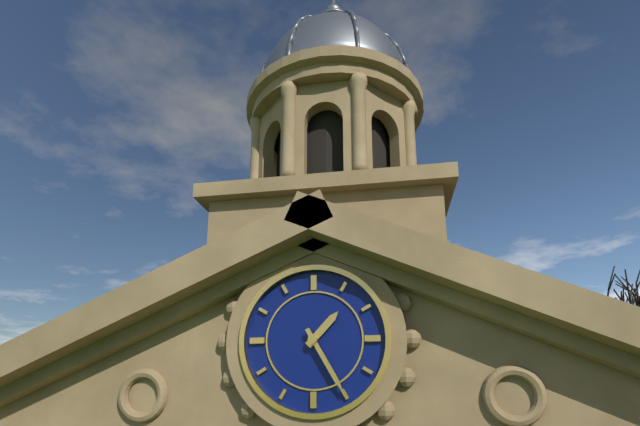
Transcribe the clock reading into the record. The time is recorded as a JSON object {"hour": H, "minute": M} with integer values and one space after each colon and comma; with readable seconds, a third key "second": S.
{"hour": 1, "minute": 25}
